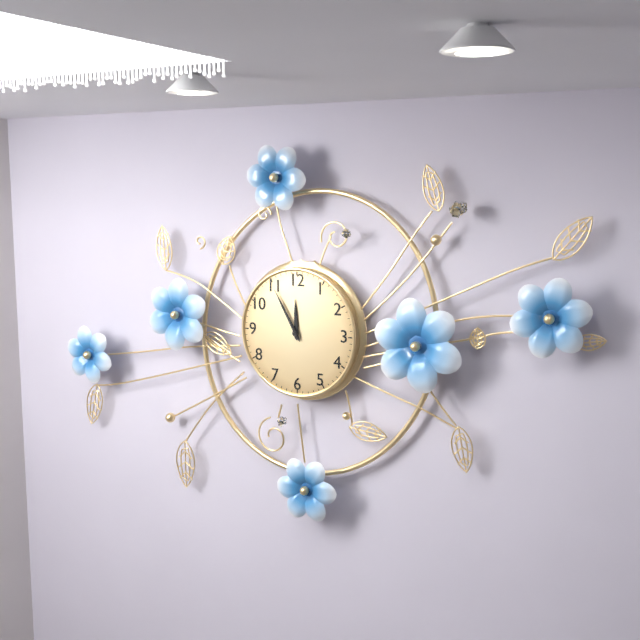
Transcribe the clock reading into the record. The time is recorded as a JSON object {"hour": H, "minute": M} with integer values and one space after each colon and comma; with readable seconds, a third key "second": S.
{"hour": 11, "minute": 55}
